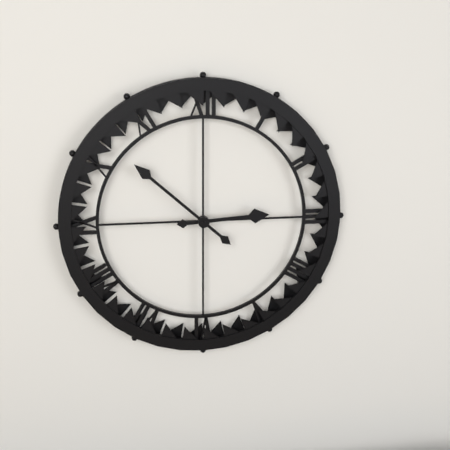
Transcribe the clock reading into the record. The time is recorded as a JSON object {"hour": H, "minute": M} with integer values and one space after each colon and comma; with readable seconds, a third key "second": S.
{"hour": 2, "minute": 52}
